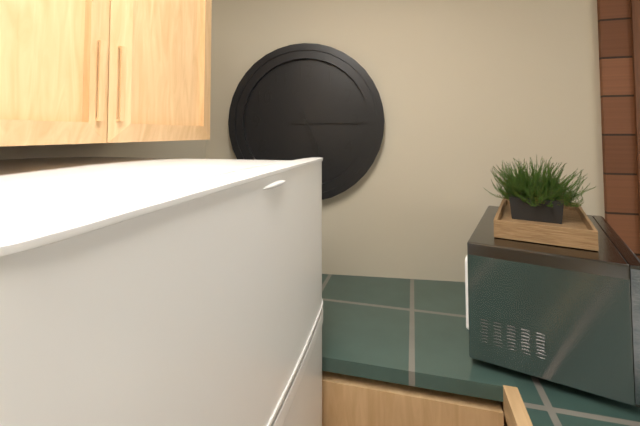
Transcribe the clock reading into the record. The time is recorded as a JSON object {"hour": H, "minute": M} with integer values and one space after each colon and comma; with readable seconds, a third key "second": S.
{"hour": 5, "minute": 15}
